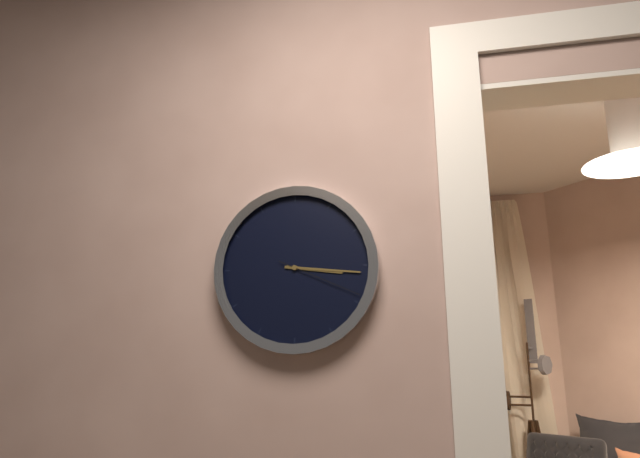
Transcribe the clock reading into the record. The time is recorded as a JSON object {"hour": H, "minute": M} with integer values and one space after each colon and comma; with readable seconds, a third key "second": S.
{"hour": 3, "minute": 16, "second": 19}
